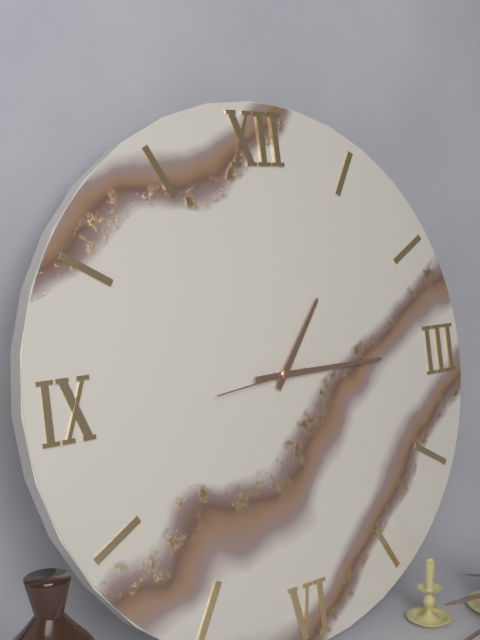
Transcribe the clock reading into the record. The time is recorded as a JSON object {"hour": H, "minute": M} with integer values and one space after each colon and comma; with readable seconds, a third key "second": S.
{"hour": 1, "minute": 15, "second": 44}
